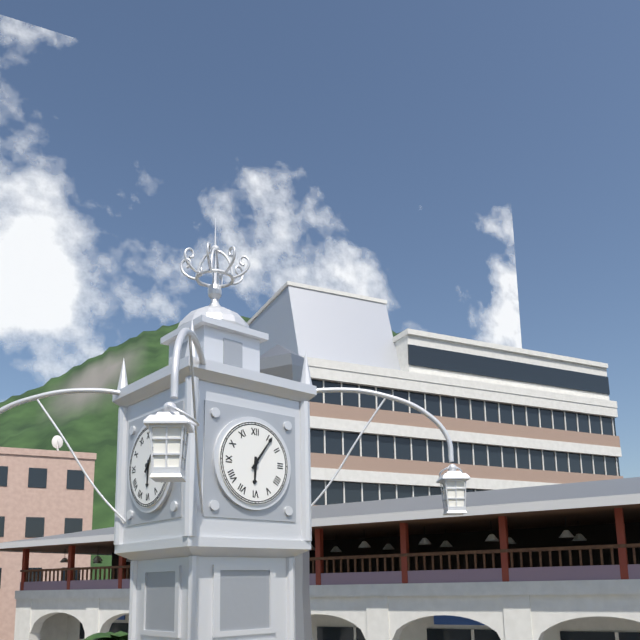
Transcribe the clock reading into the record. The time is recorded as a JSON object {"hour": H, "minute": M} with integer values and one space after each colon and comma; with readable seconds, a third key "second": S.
{"hour": 6, "minute": 6}
